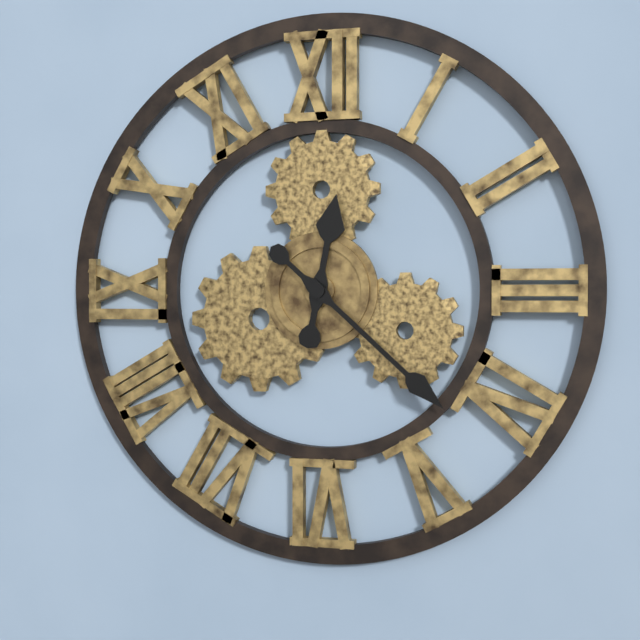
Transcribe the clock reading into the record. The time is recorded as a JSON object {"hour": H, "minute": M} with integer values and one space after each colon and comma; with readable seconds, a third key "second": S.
{"hour": 12, "minute": 22}
